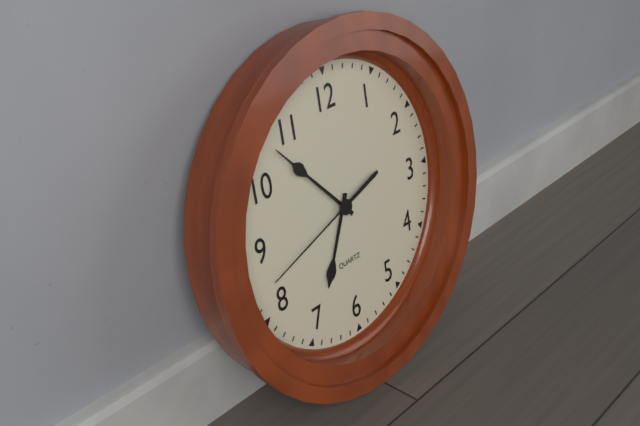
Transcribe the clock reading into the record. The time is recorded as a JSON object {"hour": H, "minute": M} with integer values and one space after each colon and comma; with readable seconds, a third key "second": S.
{"hour": 6, "minute": 53, "second": 42}
